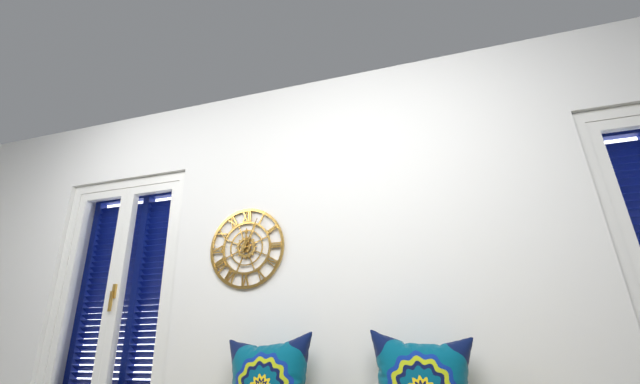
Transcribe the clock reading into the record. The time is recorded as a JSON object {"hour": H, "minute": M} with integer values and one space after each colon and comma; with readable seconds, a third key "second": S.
{"hour": 12, "minute": 4}
